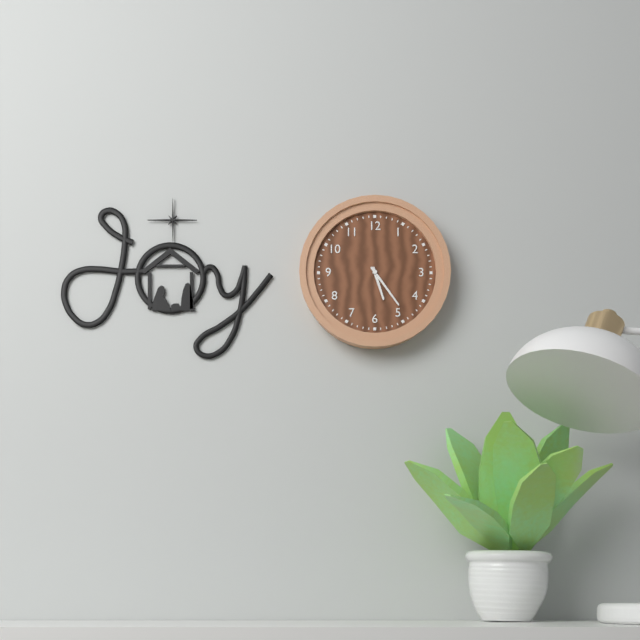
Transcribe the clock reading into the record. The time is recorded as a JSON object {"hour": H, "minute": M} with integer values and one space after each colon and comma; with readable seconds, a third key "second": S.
{"hour": 5, "minute": 24}
